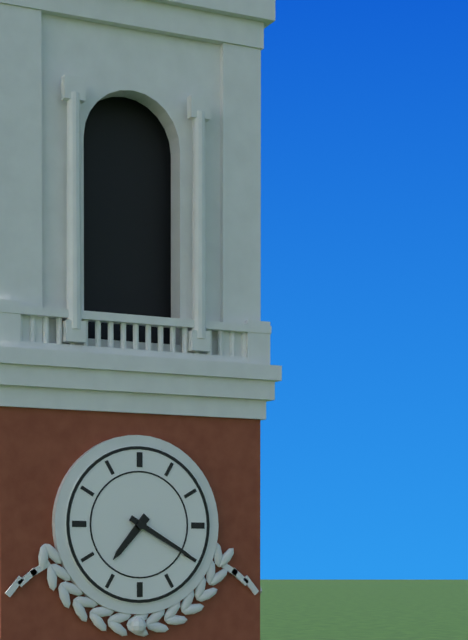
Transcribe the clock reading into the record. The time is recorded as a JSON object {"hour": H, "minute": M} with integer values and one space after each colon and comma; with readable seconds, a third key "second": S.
{"hour": 7, "minute": 20}
